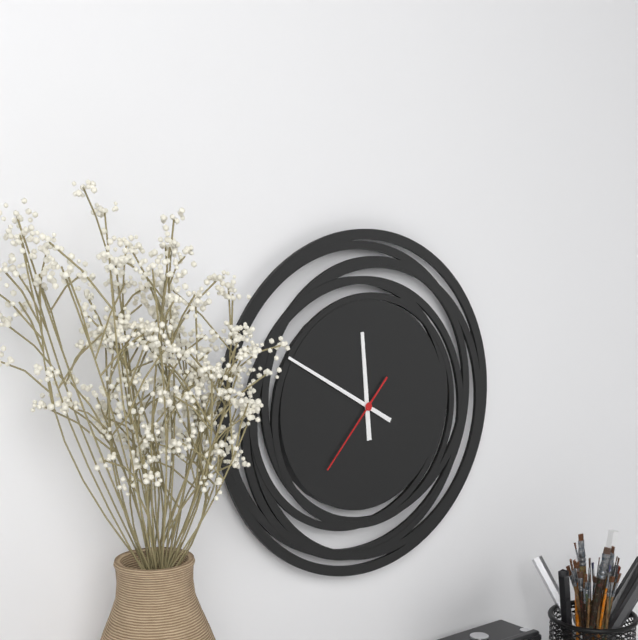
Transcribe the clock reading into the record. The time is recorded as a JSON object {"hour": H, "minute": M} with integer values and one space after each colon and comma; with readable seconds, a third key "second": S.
{"hour": 11, "minute": 50, "second": 37}
